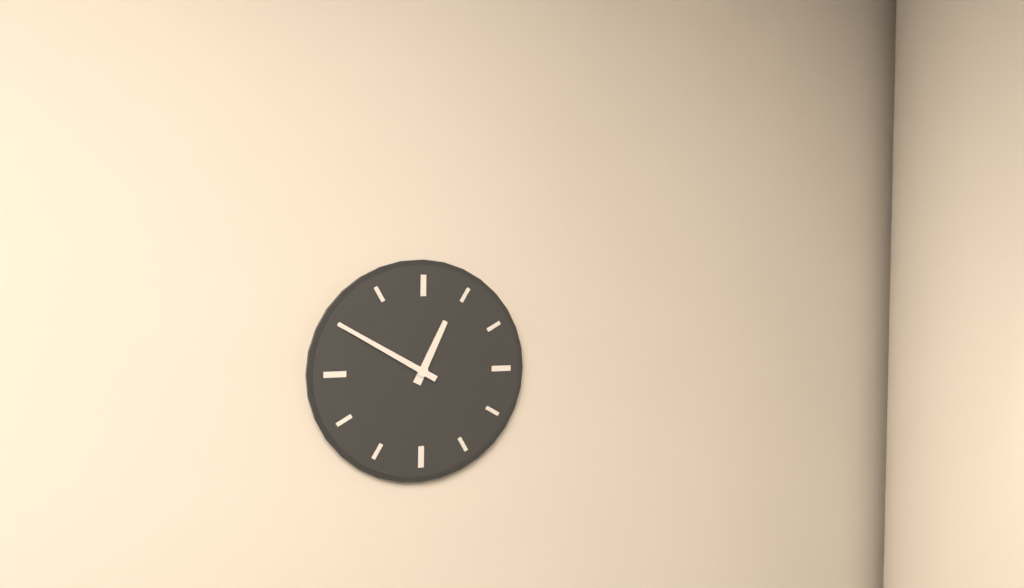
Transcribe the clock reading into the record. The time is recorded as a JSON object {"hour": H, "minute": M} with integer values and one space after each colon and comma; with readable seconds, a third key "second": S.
{"hour": 12, "minute": 50}
